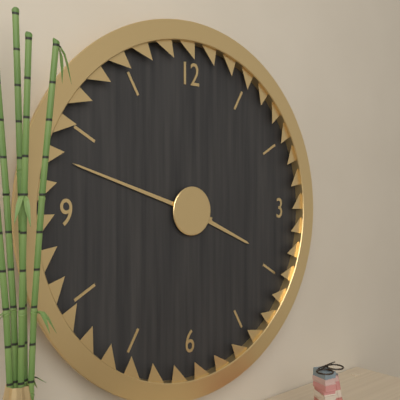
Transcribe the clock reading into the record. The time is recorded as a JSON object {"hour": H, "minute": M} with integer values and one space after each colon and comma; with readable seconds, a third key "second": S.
{"hour": 3, "minute": 48}
